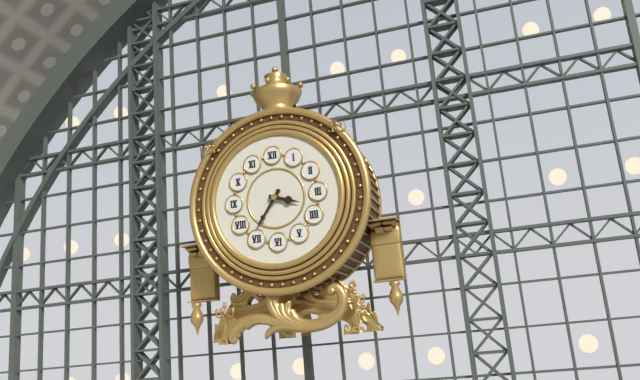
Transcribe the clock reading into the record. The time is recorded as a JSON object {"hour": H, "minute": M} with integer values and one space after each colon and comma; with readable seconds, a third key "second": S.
{"hour": 3, "minute": 36}
